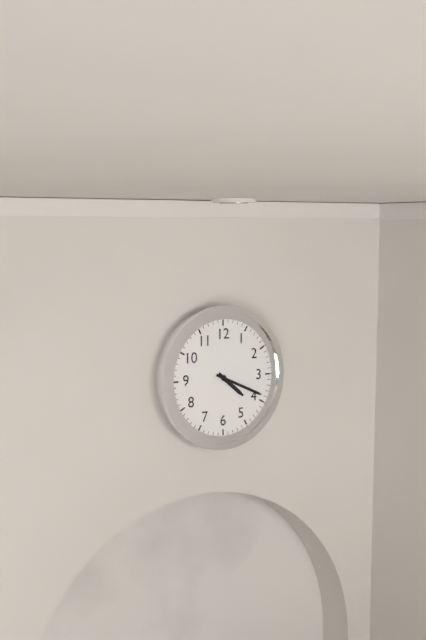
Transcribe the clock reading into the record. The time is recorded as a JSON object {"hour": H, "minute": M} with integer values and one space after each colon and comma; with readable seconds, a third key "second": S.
{"hour": 4, "minute": 19}
